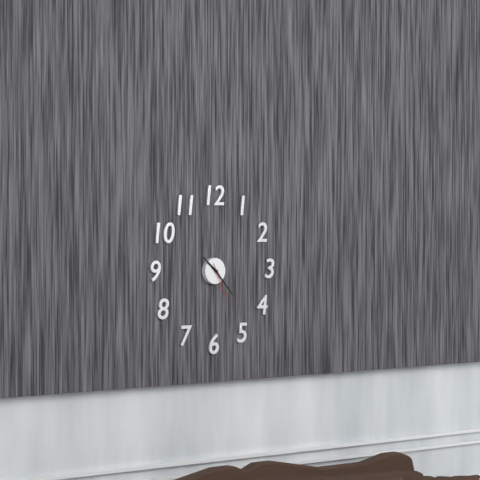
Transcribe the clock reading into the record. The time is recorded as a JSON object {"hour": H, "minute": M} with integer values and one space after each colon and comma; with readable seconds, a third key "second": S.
{"hour": 10, "minute": 23}
